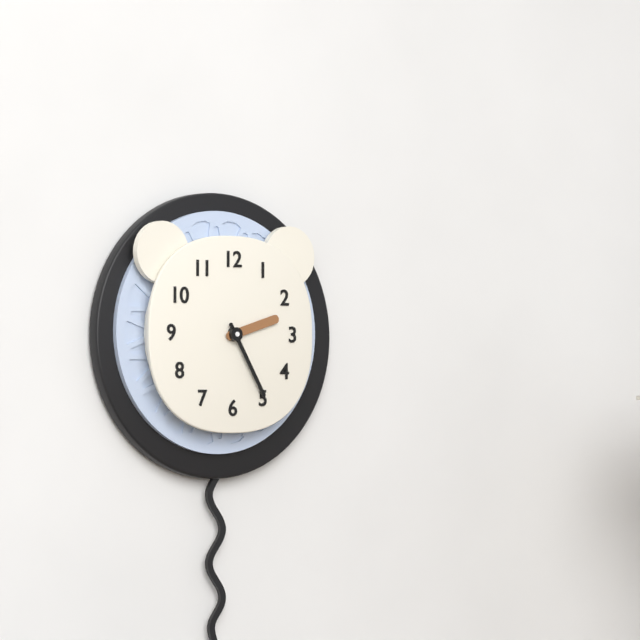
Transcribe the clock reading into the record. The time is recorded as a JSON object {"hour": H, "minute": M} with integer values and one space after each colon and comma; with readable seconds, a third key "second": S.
{"hour": 2, "minute": 25}
